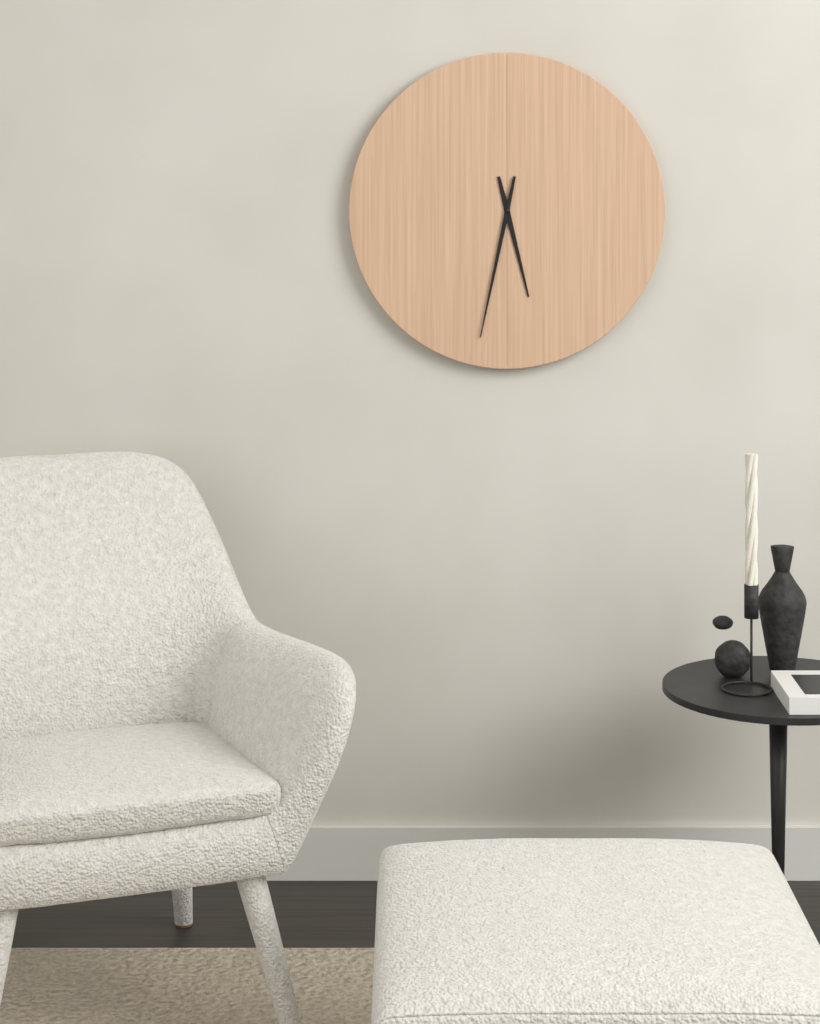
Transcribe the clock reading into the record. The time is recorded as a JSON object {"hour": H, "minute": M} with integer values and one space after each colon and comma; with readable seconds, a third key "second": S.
{"hour": 5, "minute": 32}
